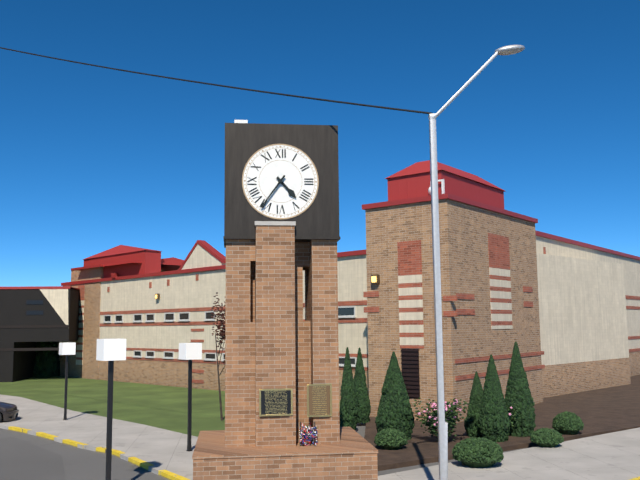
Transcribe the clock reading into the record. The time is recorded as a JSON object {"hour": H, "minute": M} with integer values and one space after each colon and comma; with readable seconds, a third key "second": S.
{"hour": 4, "minute": 36}
